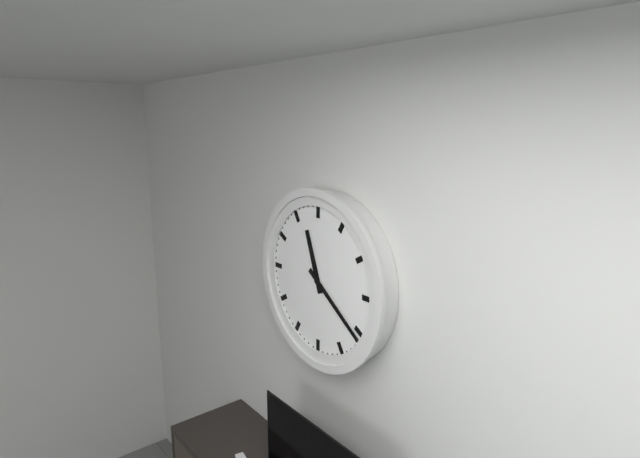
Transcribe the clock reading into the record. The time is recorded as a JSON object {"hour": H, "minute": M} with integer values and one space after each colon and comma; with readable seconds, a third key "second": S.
{"hour": 11, "minute": 21}
